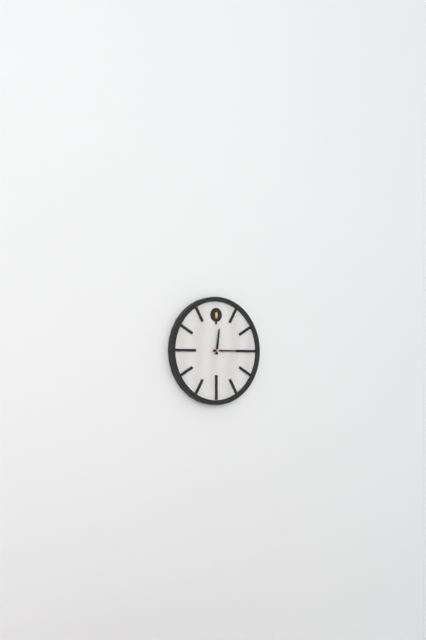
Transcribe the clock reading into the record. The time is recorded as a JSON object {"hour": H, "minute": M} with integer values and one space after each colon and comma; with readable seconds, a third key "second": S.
{"hour": 12, "minute": 15}
